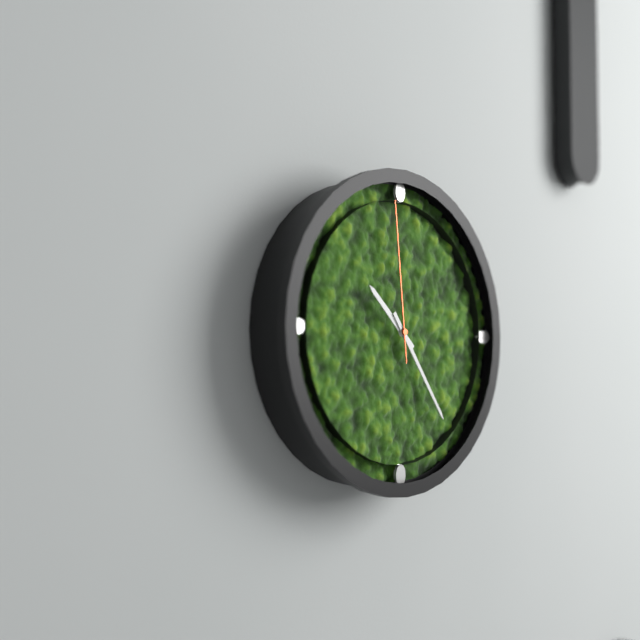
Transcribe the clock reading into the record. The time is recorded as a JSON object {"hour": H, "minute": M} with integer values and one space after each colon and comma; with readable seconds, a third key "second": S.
{"hour": 10, "minute": 24, "second": 59}
